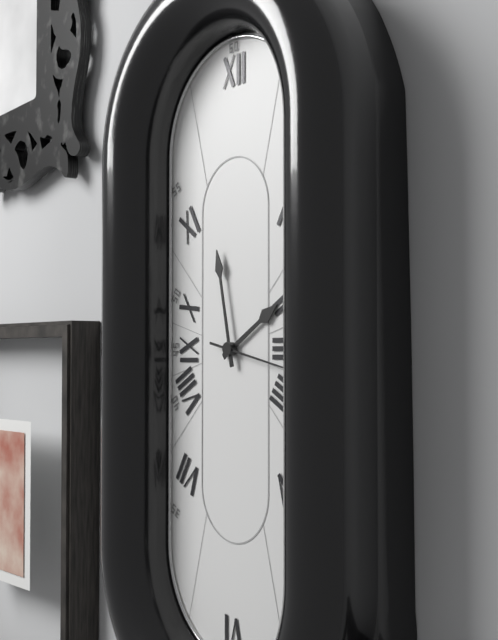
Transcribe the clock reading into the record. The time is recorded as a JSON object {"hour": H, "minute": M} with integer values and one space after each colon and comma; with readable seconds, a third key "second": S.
{"hour": 1, "minute": 58}
